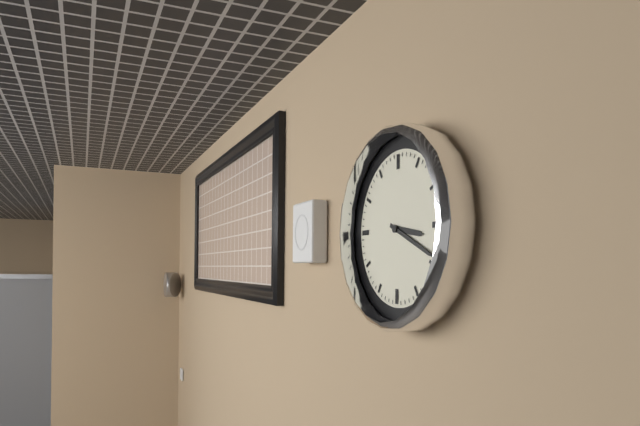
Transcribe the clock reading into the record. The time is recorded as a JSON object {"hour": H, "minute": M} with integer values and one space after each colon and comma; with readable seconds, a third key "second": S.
{"hour": 3, "minute": 19}
